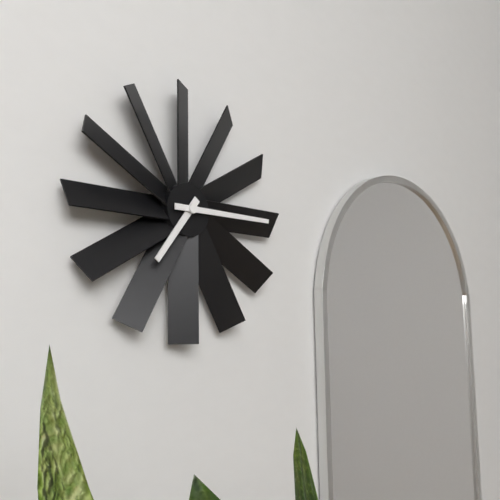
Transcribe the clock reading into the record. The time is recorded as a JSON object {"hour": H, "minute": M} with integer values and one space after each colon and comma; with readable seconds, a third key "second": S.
{"hour": 7, "minute": 15}
